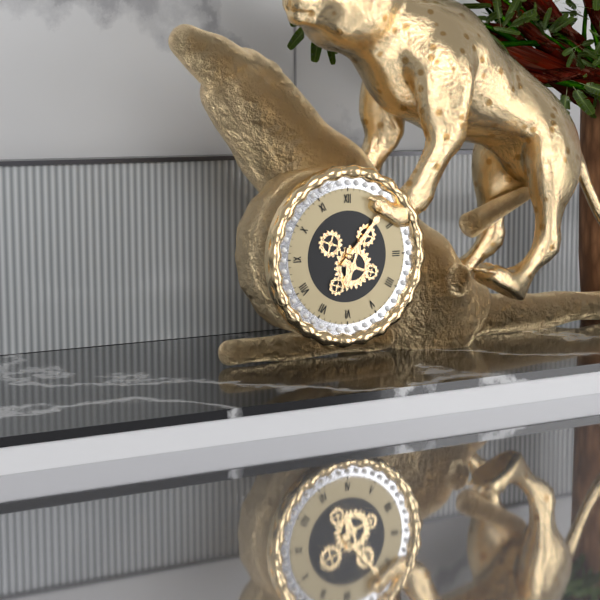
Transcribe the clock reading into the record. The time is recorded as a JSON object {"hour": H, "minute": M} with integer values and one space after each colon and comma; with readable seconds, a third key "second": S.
{"hour": 6, "minute": 7}
